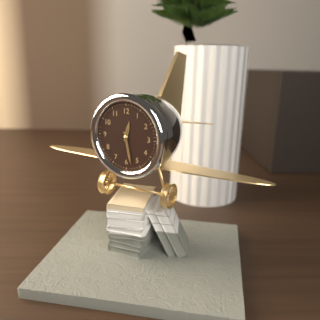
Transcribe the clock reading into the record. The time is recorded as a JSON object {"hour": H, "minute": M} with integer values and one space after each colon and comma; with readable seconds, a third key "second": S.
{"hour": 12, "minute": 28}
